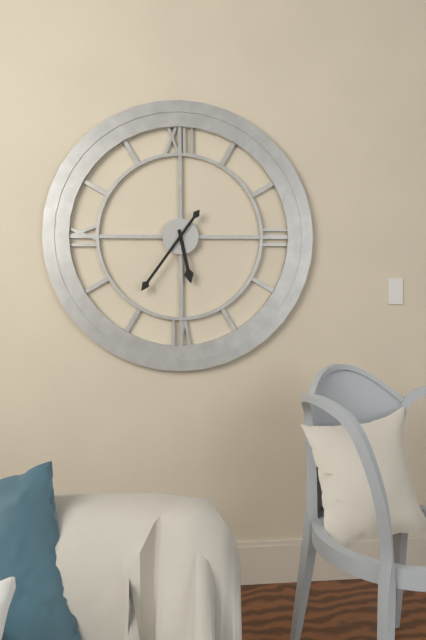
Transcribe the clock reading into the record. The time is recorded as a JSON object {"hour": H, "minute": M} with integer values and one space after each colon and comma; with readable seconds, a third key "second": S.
{"hour": 5, "minute": 36}
